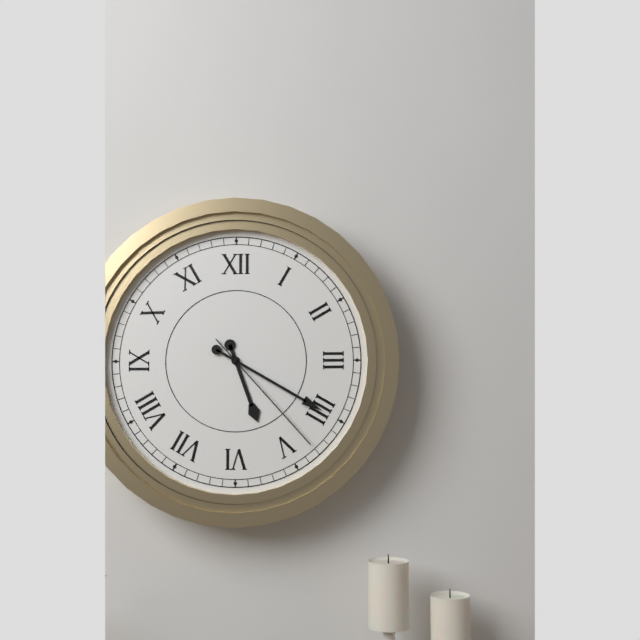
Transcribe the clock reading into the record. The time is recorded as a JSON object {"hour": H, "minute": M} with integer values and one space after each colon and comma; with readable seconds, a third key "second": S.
{"hour": 5, "minute": 20, "second": 23}
